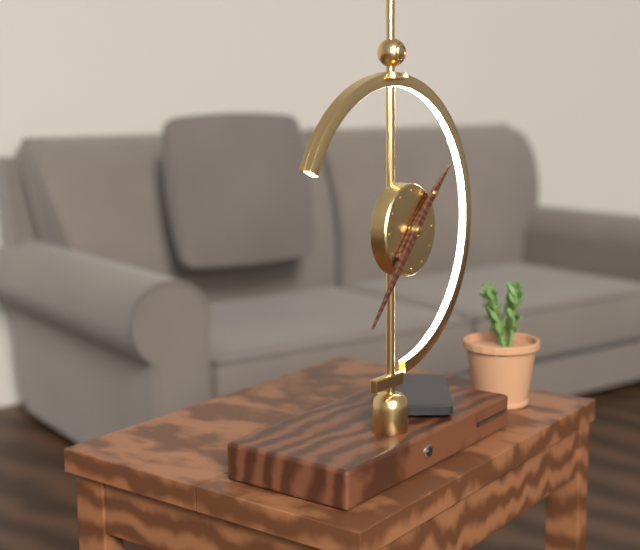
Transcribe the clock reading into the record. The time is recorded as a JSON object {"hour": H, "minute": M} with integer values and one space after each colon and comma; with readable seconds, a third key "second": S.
{"hour": 1, "minute": 37}
